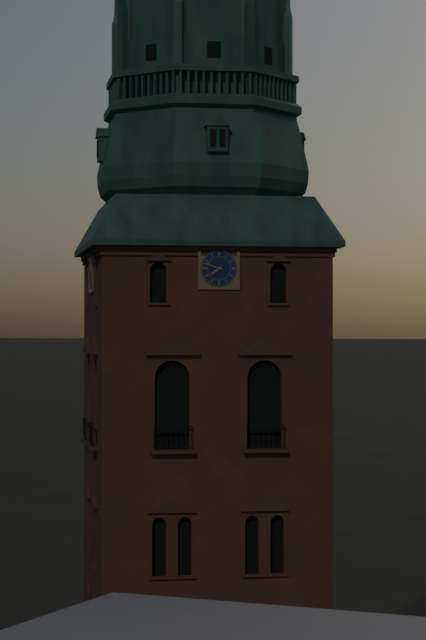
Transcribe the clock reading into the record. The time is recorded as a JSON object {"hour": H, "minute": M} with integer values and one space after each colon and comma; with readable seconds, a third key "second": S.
{"hour": 7, "minute": 48}
